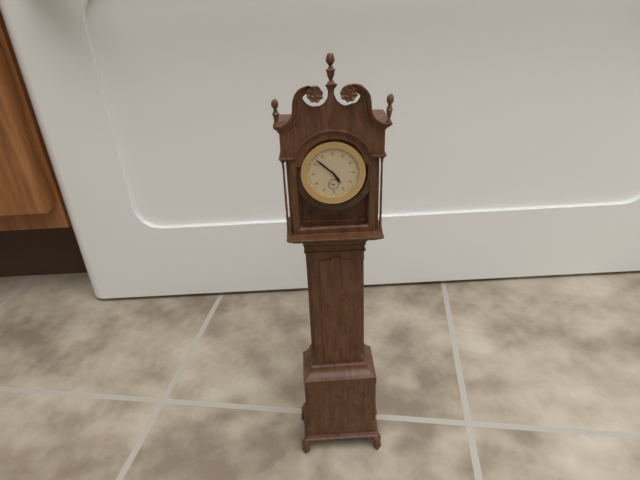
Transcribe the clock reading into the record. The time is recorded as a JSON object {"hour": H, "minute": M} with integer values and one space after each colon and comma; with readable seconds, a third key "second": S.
{"hour": 4, "minute": 52}
